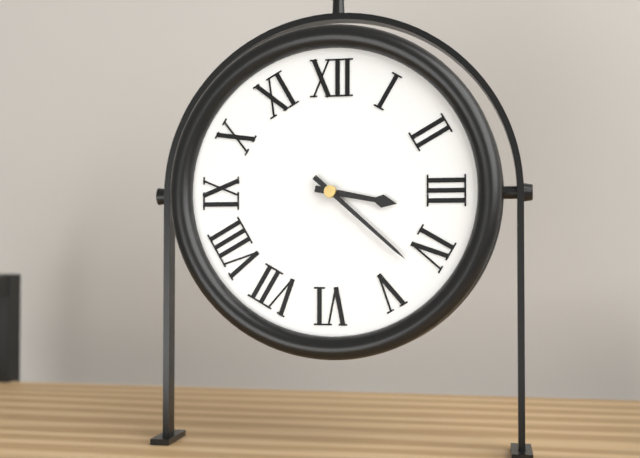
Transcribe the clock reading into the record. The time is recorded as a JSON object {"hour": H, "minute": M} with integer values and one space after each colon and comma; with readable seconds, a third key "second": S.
{"hour": 3, "minute": 22}
